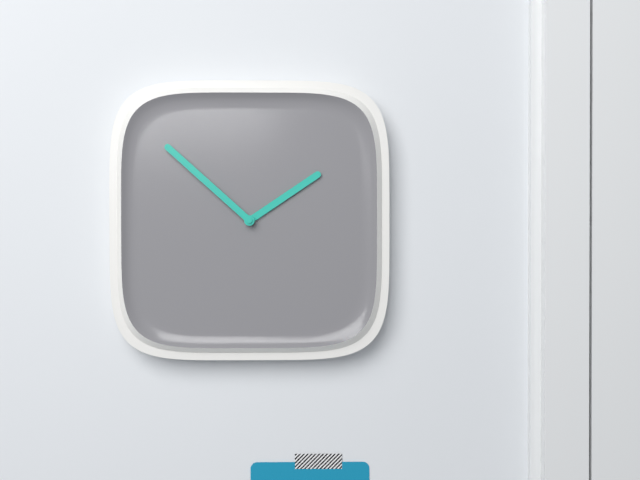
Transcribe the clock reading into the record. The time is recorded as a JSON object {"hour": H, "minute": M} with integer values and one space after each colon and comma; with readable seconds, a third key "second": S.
{"hour": 1, "minute": 52}
